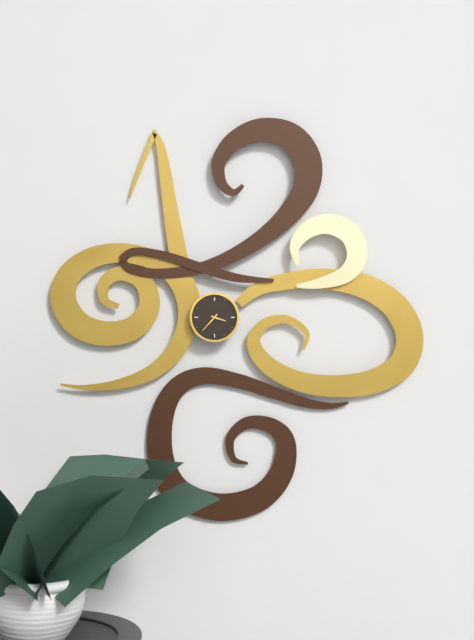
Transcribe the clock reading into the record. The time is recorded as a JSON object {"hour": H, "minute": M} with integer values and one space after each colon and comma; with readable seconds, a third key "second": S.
{"hour": 3, "minute": 37}
